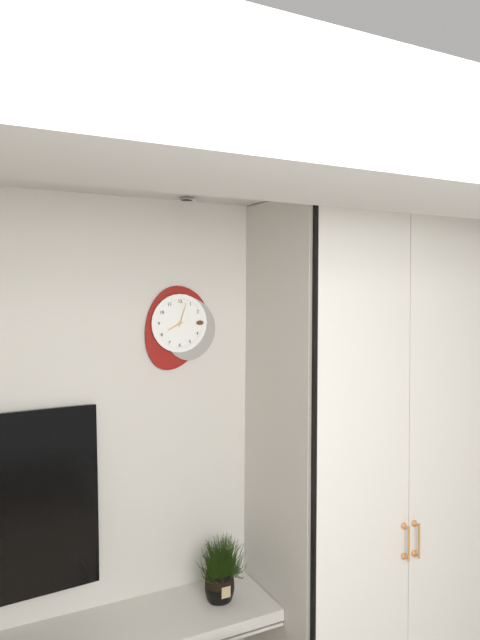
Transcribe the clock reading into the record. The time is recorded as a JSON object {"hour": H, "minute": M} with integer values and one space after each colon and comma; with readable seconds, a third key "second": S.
{"hour": 8, "minute": 3}
